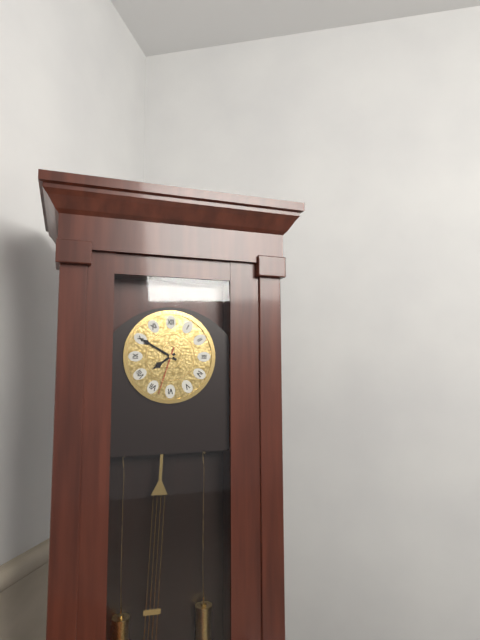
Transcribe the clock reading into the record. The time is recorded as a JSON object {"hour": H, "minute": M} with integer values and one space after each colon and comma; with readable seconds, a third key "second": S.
{"hour": 7, "minute": 50}
